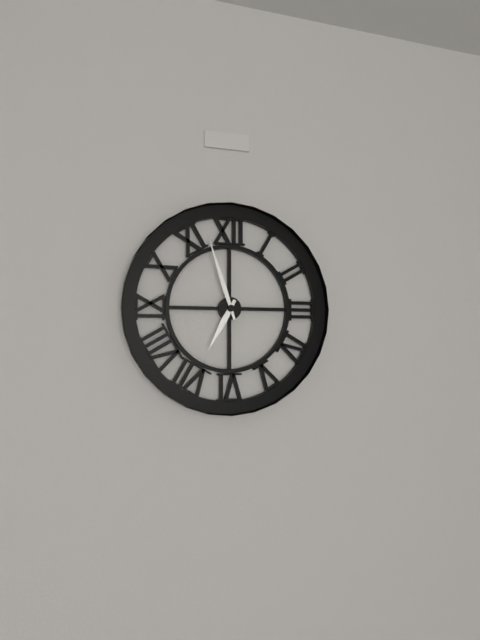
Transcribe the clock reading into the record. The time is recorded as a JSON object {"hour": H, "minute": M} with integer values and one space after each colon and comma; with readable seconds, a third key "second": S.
{"hour": 6, "minute": 57}
